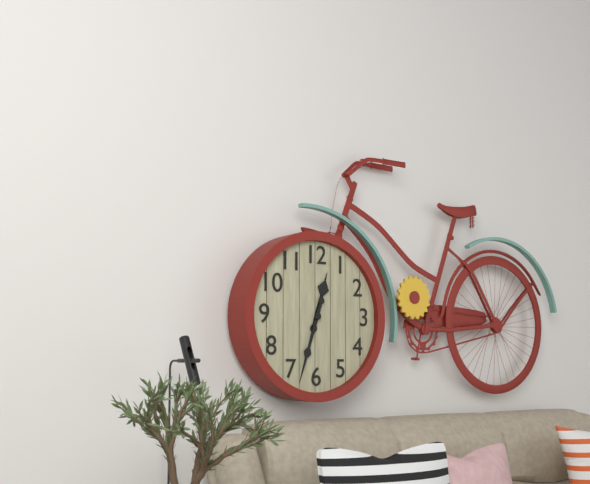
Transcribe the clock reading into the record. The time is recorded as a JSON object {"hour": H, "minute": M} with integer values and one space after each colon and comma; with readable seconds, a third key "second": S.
{"hour": 12, "minute": 33}
